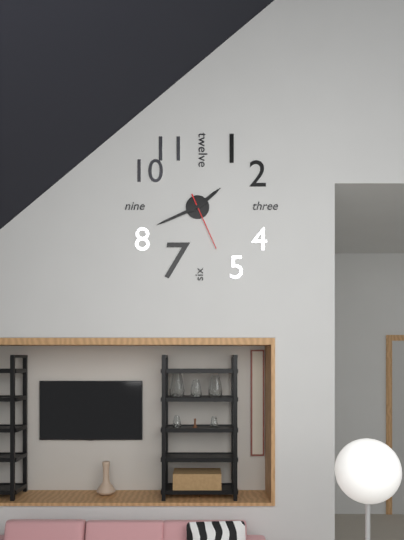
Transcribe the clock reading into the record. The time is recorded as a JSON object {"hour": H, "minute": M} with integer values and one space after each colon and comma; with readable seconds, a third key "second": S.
{"hour": 1, "minute": 41, "second": 26}
